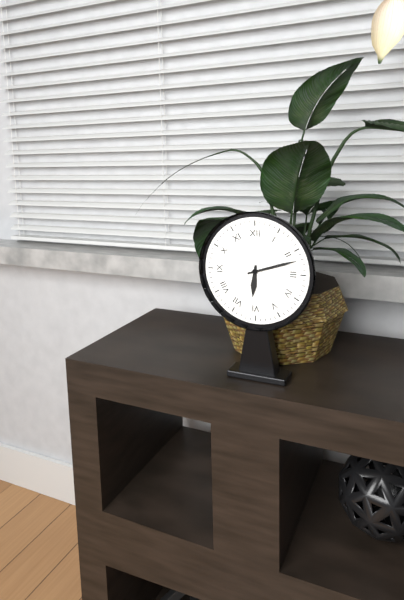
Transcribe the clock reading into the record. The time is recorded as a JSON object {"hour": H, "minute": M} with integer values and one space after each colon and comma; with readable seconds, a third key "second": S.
{"hour": 6, "minute": 12}
